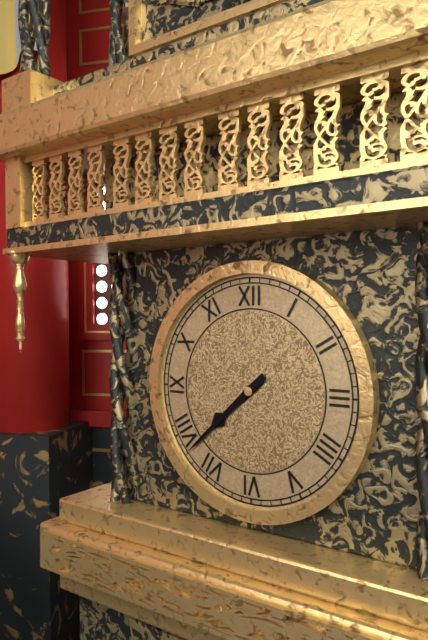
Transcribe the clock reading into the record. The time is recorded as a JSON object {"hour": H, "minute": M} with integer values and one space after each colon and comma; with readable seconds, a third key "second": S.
{"hour": 7, "minute": 38}
